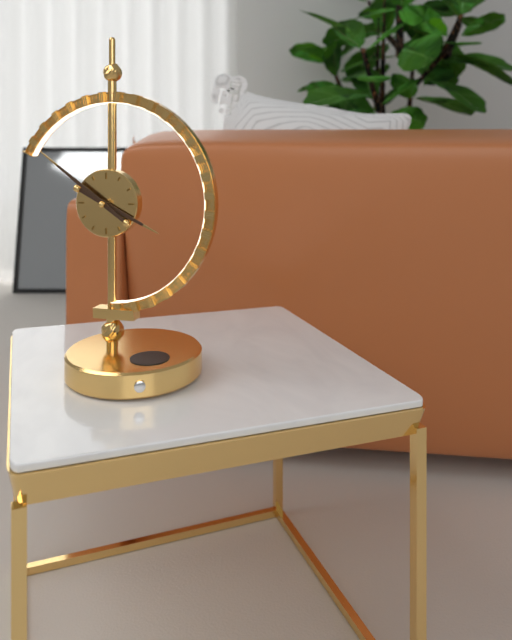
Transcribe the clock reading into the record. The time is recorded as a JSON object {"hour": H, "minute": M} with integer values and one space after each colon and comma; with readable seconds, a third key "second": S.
{"hour": 3, "minute": 51}
